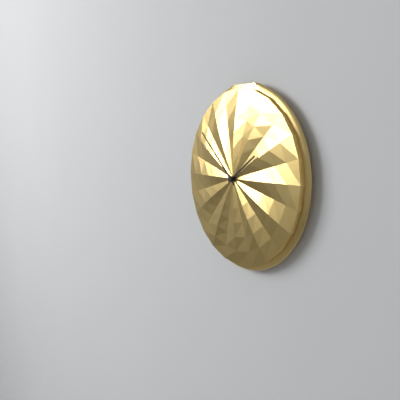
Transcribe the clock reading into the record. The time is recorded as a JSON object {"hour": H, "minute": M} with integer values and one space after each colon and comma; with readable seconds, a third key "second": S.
{"hour": 1, "minute": 52}
